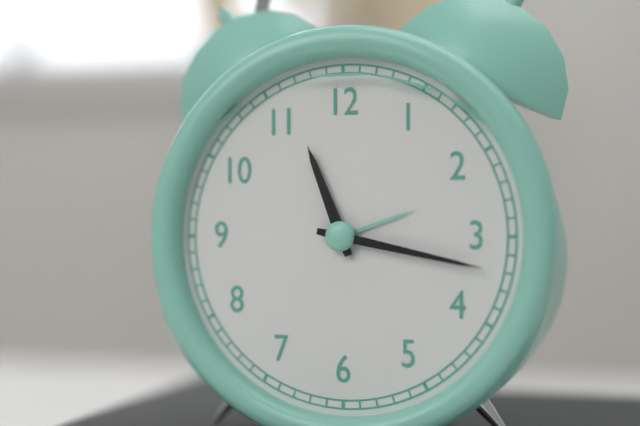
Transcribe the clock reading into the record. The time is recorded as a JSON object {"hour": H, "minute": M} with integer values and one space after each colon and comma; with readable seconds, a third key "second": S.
{"hour": 11, "minute": 17}
